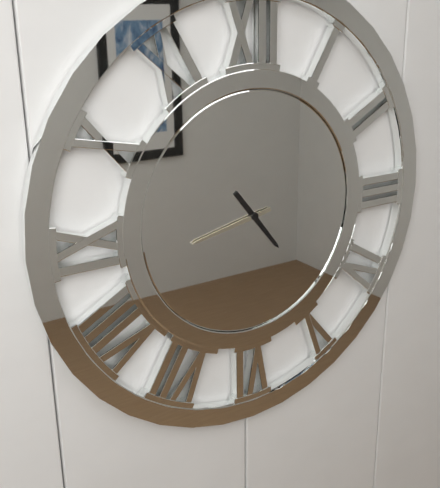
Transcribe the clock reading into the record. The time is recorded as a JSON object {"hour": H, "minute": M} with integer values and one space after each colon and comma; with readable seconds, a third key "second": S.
{"hour": 4, "minute": 43}
